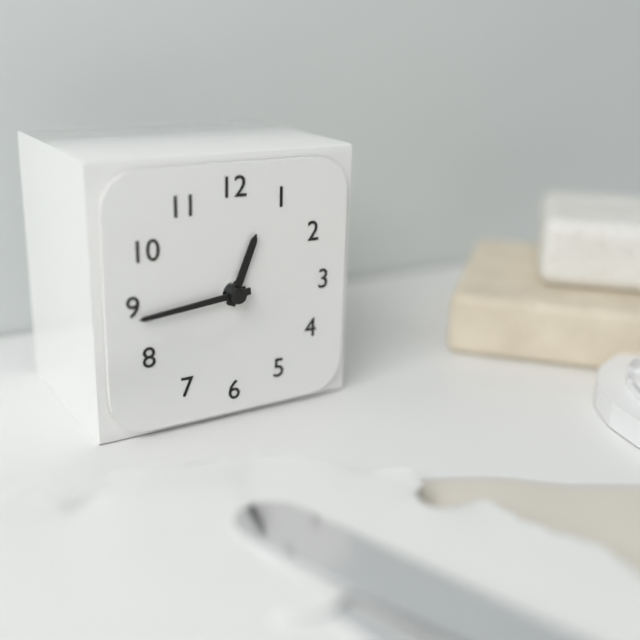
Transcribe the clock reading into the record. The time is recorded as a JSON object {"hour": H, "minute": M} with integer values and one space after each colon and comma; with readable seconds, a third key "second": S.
{"hour": 12, "minute": 44}
